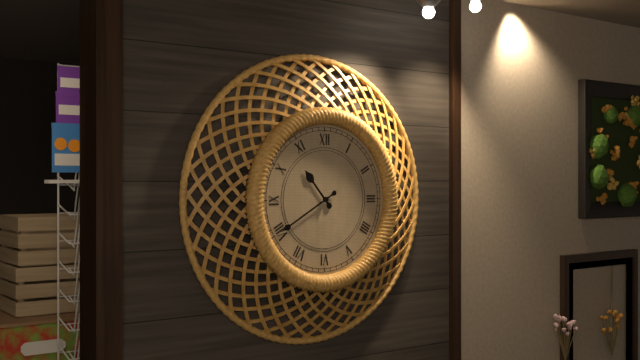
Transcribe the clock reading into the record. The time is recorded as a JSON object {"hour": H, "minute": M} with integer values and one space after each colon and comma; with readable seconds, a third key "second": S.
{"hour": 10, "minute": 40}
